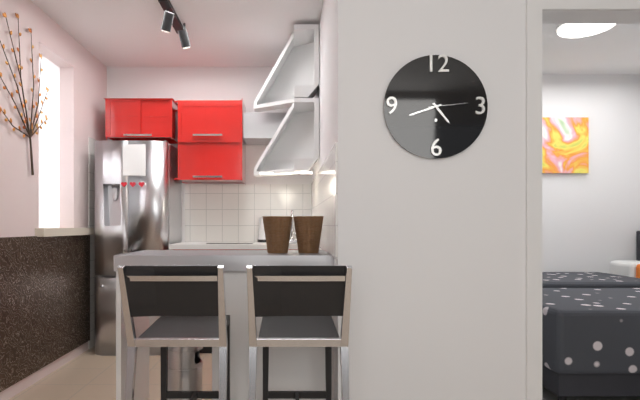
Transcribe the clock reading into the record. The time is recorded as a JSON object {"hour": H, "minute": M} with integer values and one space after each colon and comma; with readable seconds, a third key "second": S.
{"hour": 4, "minute": 42}
